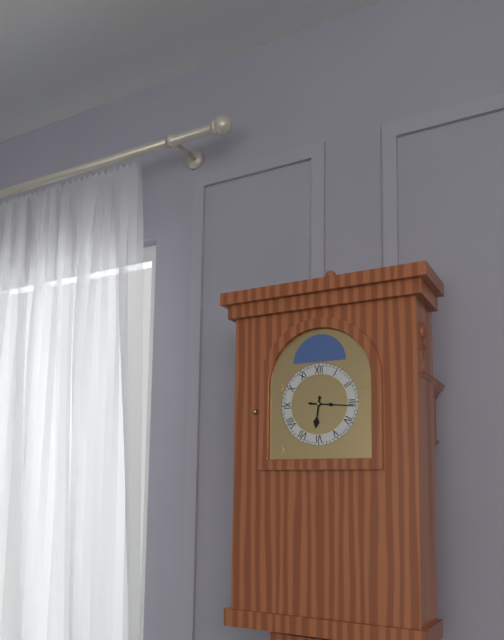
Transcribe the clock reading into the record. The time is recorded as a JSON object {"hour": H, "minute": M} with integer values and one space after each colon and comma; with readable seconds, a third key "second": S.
{"hour": 6, "minute": 16}
